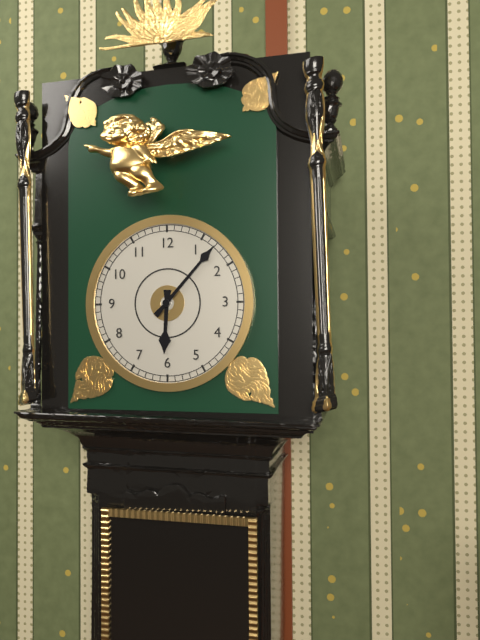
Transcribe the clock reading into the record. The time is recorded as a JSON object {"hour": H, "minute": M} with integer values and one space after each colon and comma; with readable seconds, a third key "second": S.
{"hour": 6, "minute": 7}
